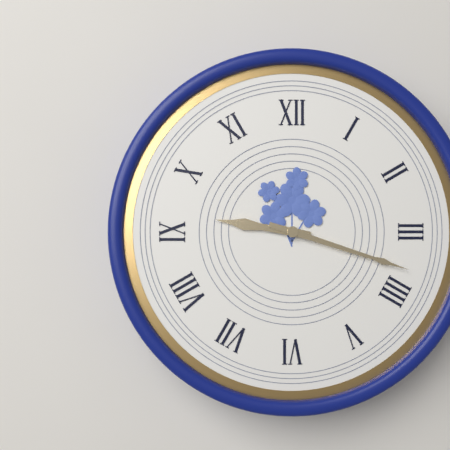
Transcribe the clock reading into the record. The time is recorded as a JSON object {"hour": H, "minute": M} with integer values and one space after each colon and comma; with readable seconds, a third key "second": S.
{"hour": 9, "minute": 18}
